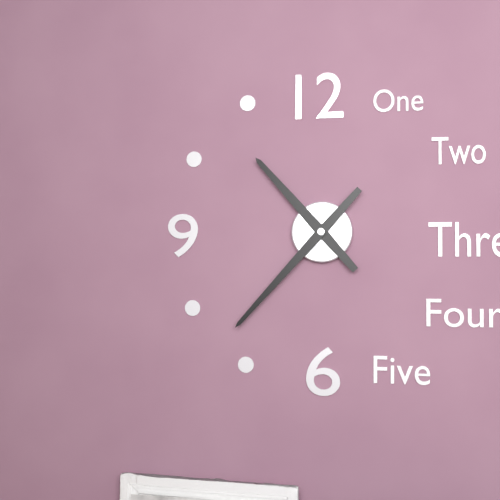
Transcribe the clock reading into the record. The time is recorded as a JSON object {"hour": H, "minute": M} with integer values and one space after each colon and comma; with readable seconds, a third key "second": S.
{"hour": 10, "minute": 37}
